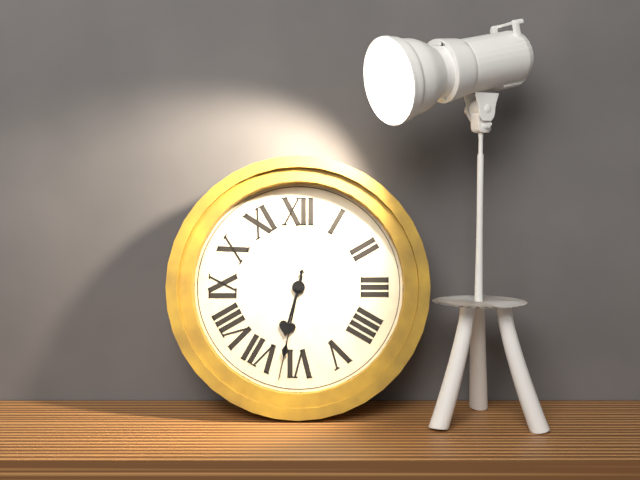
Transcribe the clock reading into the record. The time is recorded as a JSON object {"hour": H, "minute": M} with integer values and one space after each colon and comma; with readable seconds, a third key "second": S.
{"hour": 6, "minute": 32}
